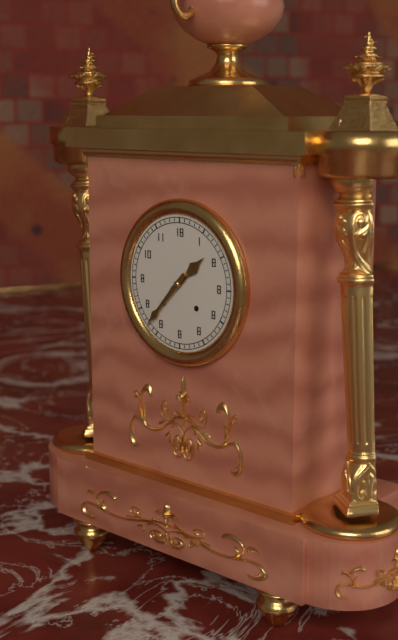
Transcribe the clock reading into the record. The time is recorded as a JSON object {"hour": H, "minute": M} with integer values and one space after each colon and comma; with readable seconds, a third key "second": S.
{"hour": 1, "minute": 37}
